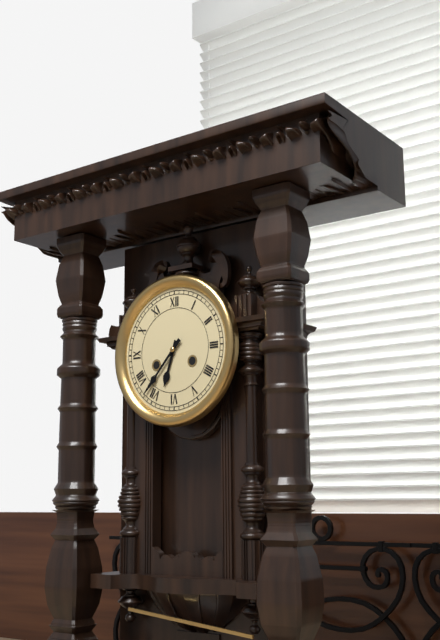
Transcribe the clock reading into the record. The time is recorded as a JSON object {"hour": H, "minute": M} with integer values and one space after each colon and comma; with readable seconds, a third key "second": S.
{"hour": 6, "minute": 37}
